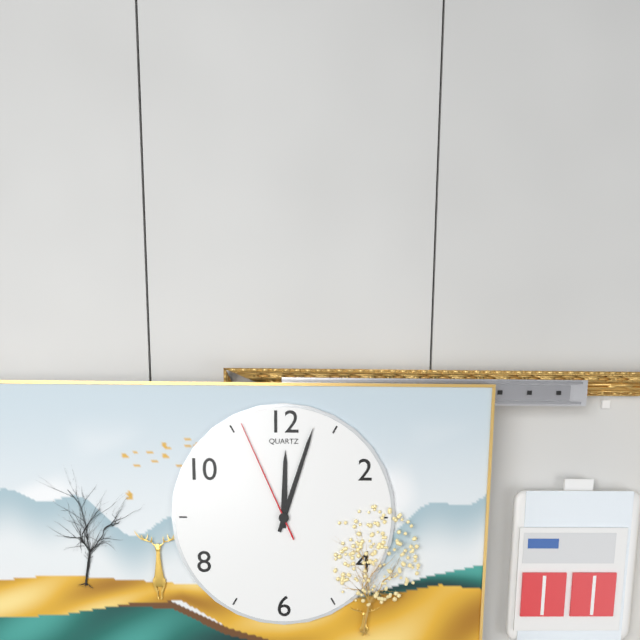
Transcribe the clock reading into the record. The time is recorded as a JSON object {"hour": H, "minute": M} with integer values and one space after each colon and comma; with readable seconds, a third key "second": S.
{"hour": 12, "minute": 3, "second": 56}
